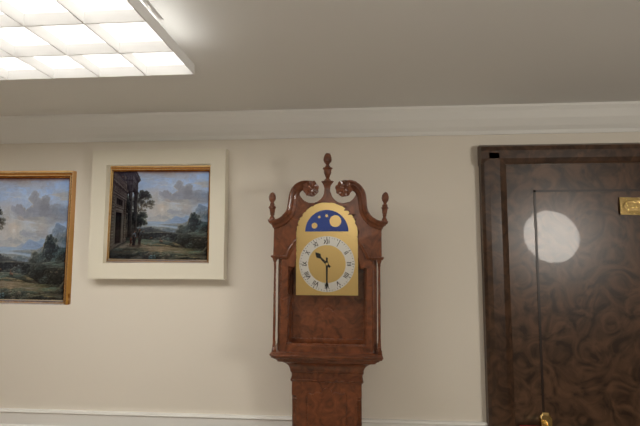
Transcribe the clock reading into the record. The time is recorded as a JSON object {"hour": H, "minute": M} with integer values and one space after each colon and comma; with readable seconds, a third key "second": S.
{"hour": 10, "minute": 30}
